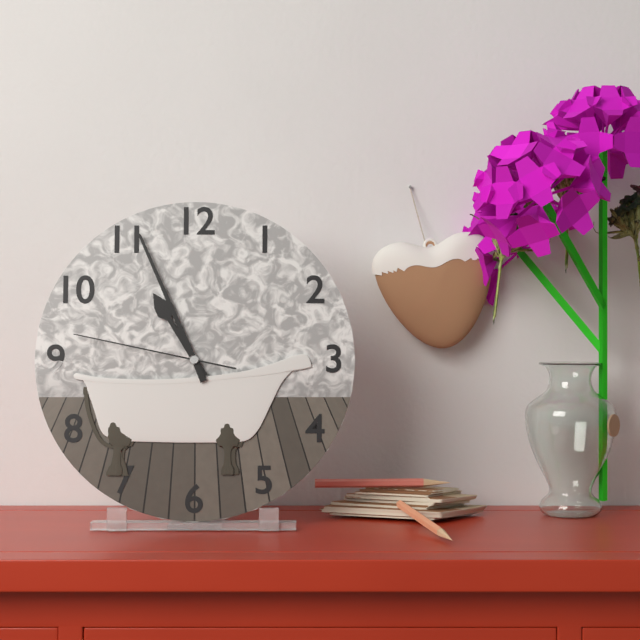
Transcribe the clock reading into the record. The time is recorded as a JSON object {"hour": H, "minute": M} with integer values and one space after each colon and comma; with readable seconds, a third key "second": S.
{"hour": 10, "minute": 56, "second": 47}
